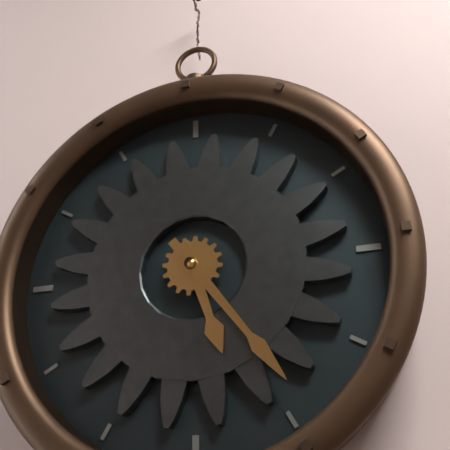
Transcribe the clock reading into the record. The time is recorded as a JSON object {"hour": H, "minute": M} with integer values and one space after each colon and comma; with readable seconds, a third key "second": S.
{"hour": 5, "minute": 24}
